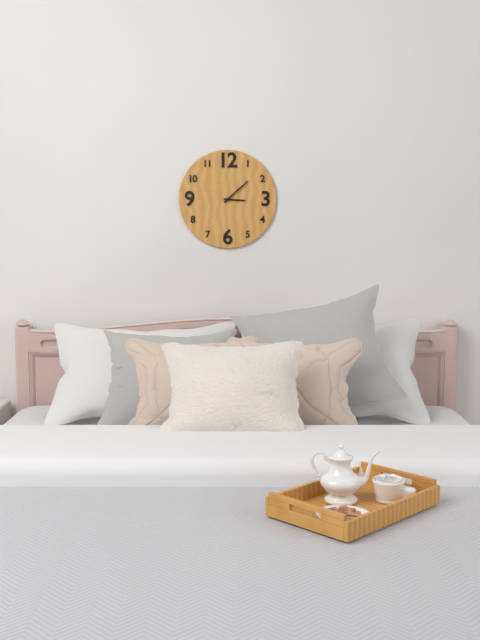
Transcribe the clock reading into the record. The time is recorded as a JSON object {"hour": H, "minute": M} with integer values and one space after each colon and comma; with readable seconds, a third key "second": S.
{"hour": 3, "minute": 8}
